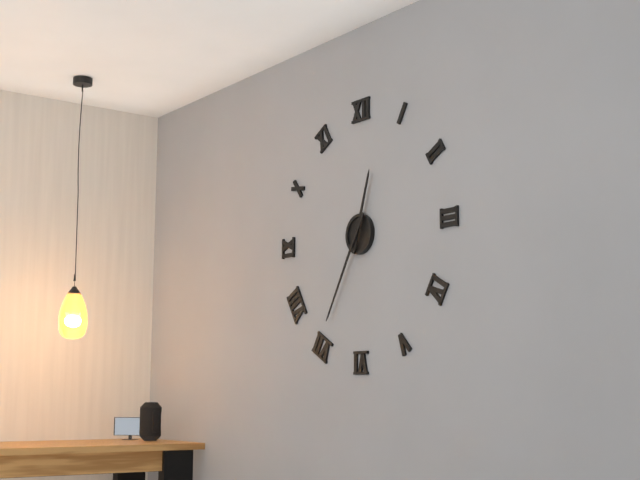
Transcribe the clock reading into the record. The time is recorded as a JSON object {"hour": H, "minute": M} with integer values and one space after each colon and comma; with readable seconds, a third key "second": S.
{"hour": 12, "minute": 35}
